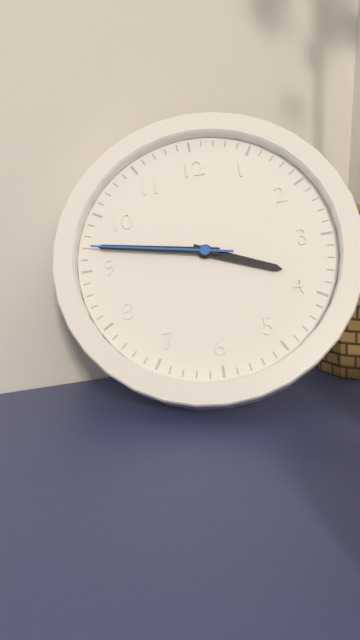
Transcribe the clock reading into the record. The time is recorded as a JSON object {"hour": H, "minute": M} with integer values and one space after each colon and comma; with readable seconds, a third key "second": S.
{"hour": 3, "minute": 47, "second": 47}
